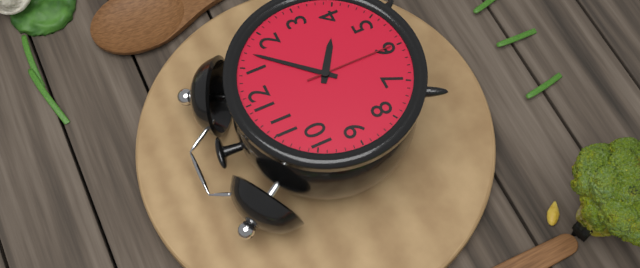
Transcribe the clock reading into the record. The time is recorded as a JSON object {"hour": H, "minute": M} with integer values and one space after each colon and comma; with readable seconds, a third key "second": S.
{"hour": 4, "minute": 7, "second": 30}
